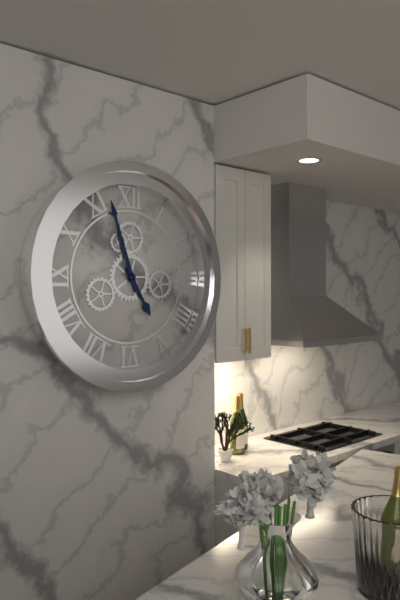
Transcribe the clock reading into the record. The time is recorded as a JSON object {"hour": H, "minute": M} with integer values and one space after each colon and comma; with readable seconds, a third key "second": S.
{"hour": 4, "minute": 57}
